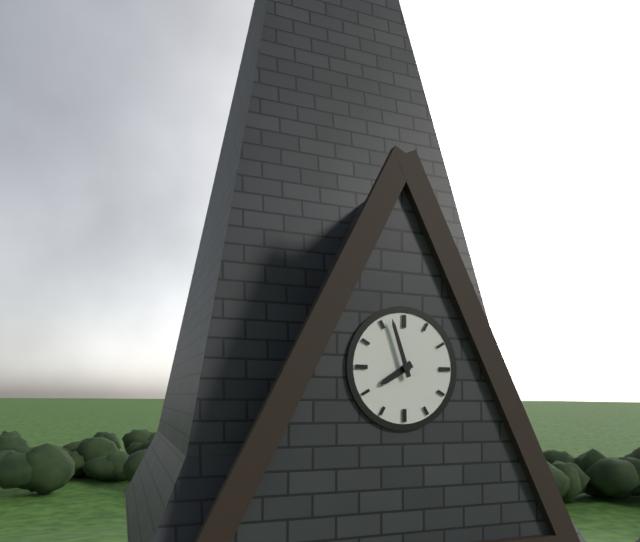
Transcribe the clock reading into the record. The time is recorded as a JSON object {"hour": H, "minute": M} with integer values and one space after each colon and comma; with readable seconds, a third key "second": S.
{"hour": 7, "minute": 57}
